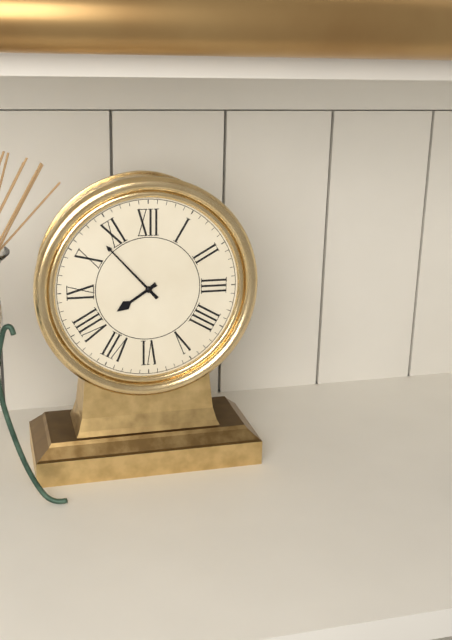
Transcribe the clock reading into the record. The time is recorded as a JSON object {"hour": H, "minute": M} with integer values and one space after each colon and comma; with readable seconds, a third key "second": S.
{"hour": 7, "minute": 53}
